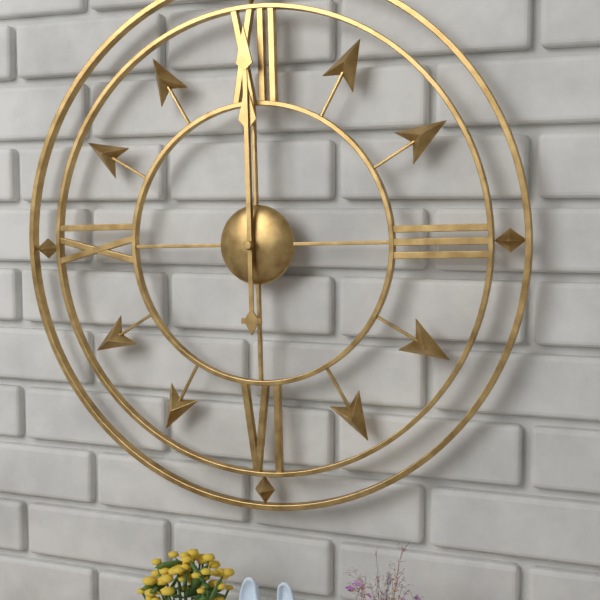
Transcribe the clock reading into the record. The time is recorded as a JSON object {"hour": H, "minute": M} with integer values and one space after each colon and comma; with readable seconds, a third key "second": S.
{"hour": 12, "minute": 0}
